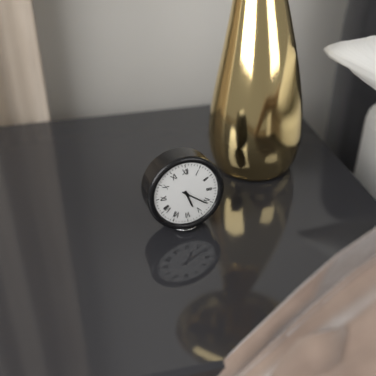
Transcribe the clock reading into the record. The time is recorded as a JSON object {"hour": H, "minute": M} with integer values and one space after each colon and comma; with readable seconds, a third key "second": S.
{"hour": 5, "minute": 21}
